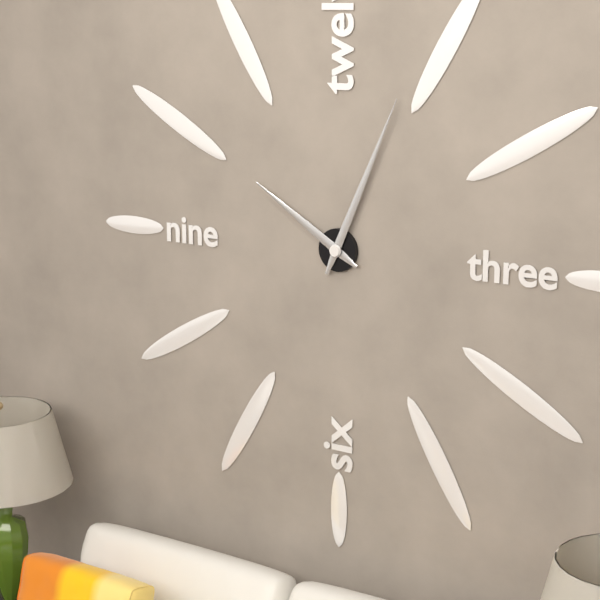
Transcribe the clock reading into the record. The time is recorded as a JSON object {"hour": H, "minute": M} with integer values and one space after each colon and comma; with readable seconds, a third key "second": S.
{"hour": 10, "minute": 4}
